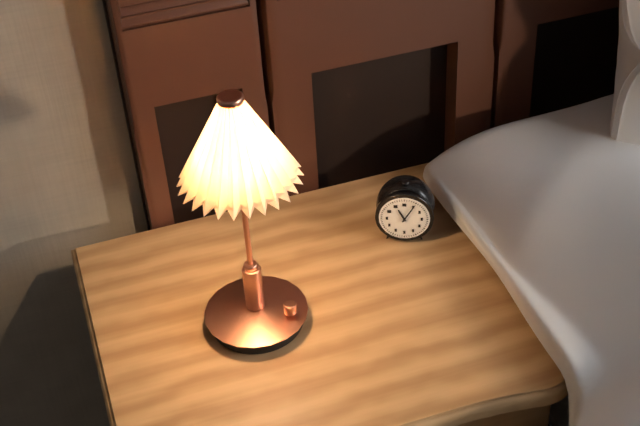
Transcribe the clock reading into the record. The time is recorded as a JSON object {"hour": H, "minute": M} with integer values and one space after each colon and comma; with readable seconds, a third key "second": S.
{"hour": 11, "minute": 5}
